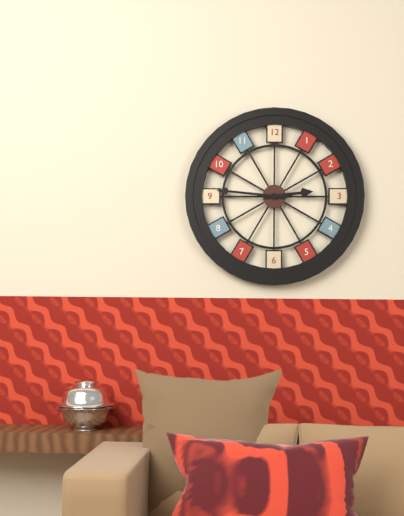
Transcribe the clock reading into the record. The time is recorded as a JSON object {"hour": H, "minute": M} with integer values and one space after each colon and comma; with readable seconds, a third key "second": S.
{"hour": 2, "minute": 46}
